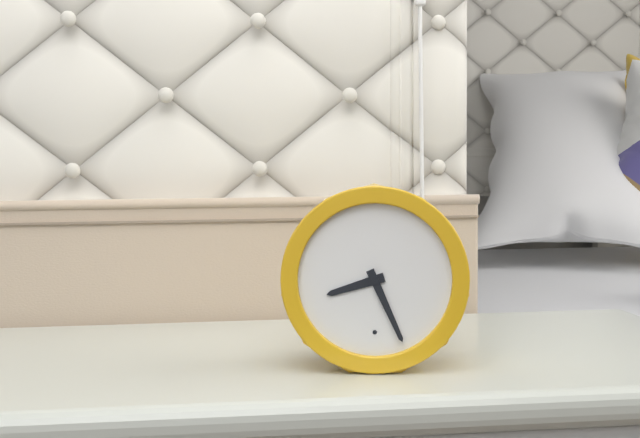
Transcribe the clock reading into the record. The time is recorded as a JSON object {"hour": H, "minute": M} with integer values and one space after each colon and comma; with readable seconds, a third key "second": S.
{"hour": 8, "minute": 26}
